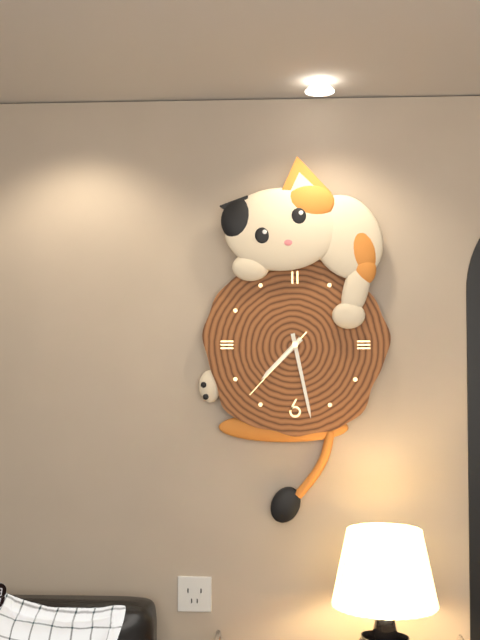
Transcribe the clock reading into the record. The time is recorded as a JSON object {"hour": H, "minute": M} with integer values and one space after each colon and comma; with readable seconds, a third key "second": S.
{"hour": 7, "minute": 28, "second": 37}
